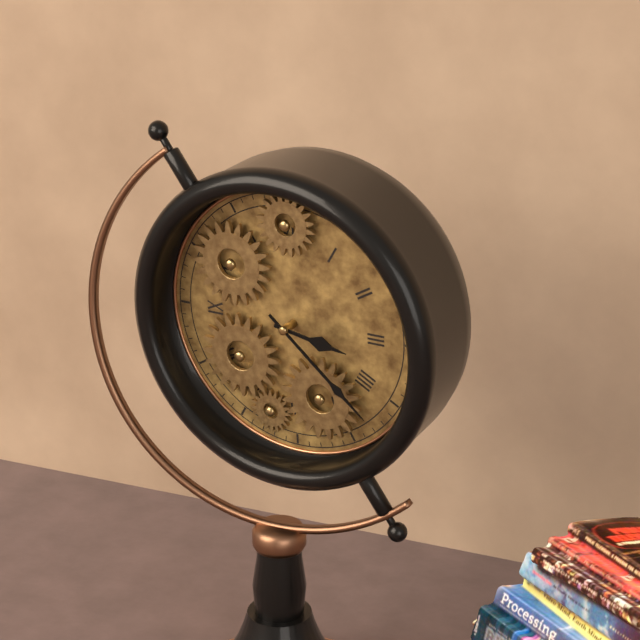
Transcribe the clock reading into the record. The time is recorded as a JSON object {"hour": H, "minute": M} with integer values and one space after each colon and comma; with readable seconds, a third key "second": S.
{"hour": 3, "minute": 22}
